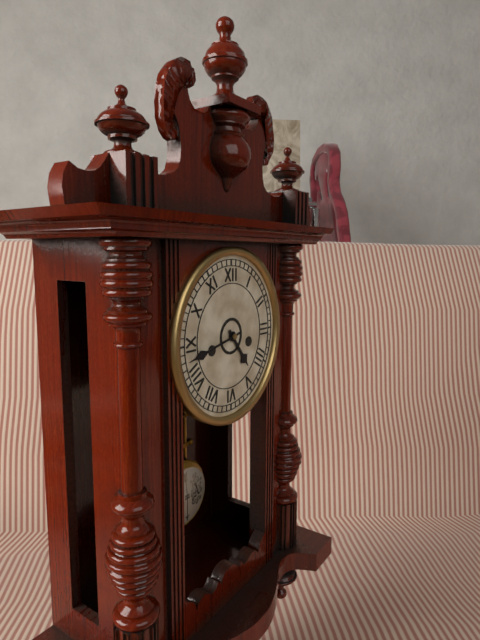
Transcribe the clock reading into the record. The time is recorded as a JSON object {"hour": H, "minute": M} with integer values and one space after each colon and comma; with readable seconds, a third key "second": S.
{"hour": 4, "minute": 43}
